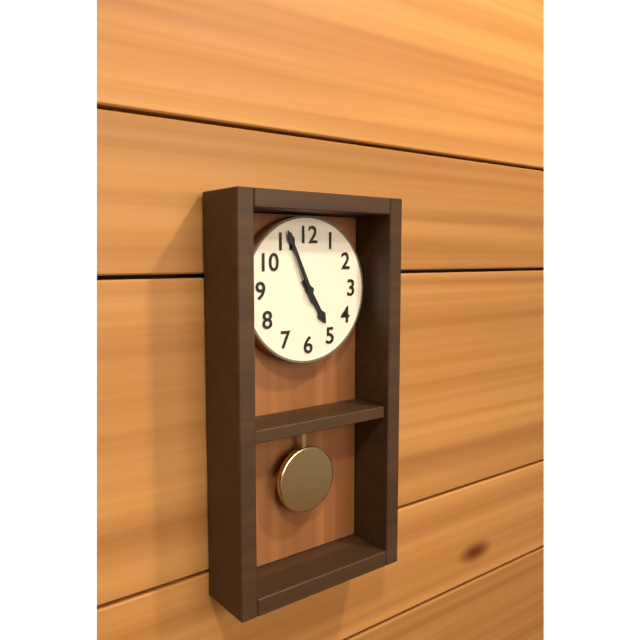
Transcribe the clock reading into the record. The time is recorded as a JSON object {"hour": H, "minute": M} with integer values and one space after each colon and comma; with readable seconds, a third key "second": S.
{"hour": 4, "minute": 56}
